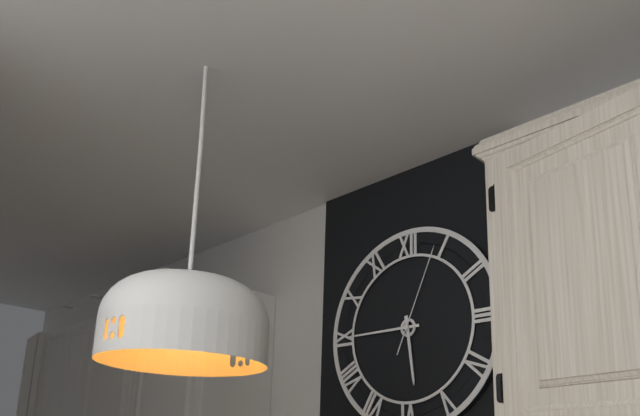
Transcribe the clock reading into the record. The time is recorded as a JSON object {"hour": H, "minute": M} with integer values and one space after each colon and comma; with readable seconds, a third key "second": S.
{"hour": 5, "minute": 45, "second": 4}
